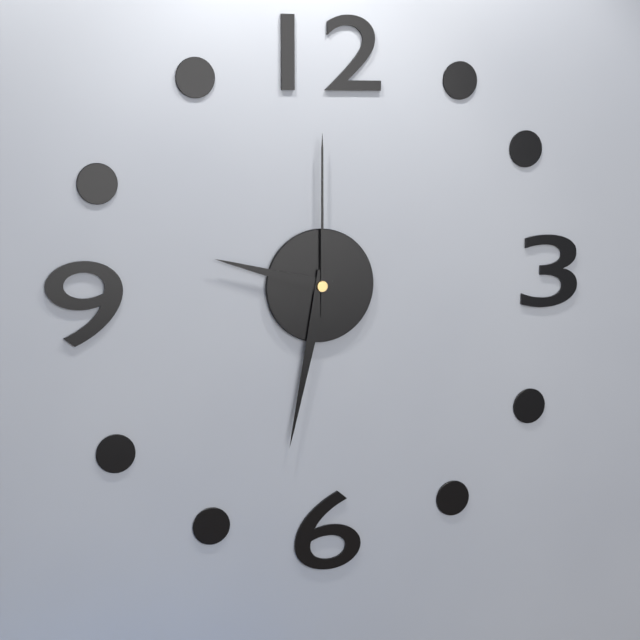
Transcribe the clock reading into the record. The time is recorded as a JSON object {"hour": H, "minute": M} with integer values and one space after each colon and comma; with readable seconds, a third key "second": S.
{"hour": 9, "minute": 32, "second": 0}
